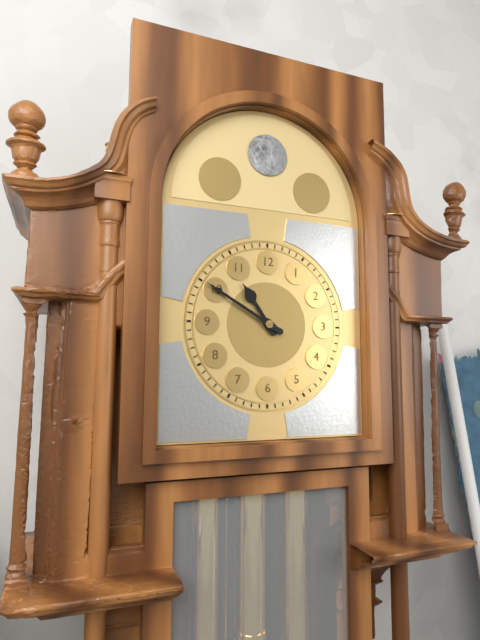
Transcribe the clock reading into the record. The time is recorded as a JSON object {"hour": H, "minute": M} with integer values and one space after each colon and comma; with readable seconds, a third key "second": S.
{"hour": 10, "minute": 50}
